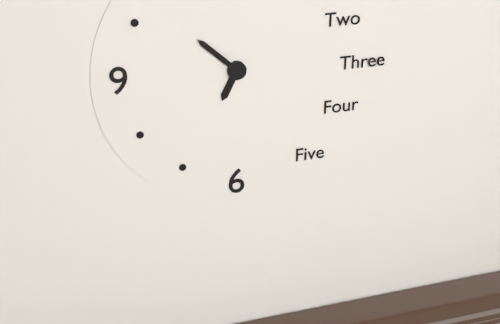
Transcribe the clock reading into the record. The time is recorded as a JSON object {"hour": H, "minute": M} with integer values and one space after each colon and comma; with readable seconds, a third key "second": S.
{"hour": 6, "minute": 52}
